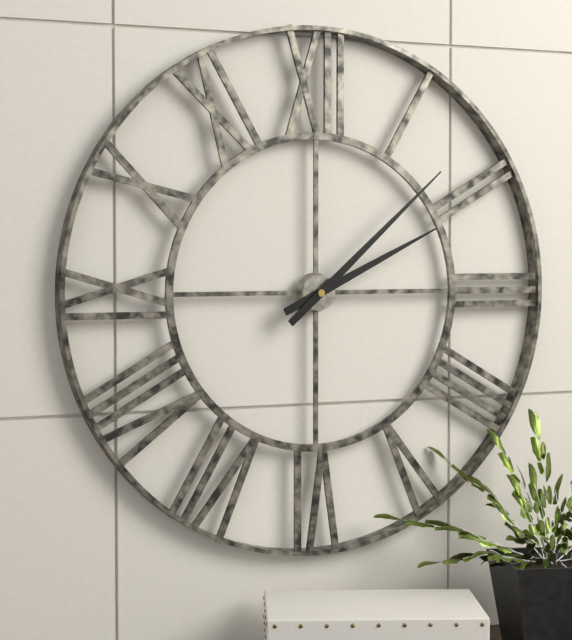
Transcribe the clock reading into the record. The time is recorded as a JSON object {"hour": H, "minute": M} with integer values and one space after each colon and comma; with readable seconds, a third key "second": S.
{"hour": 2, "minute": 8}
